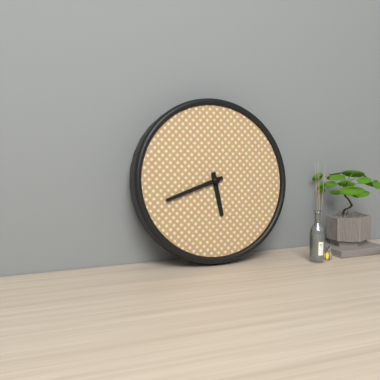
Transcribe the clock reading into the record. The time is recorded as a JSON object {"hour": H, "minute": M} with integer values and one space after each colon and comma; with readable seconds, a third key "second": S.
{"hour": 5, "minute": 42}
